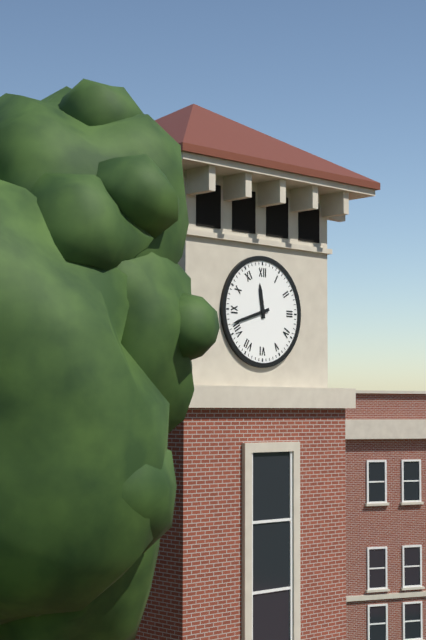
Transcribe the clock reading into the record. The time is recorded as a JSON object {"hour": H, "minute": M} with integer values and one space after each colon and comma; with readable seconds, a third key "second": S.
{"hour": 11, "minute": 42}
